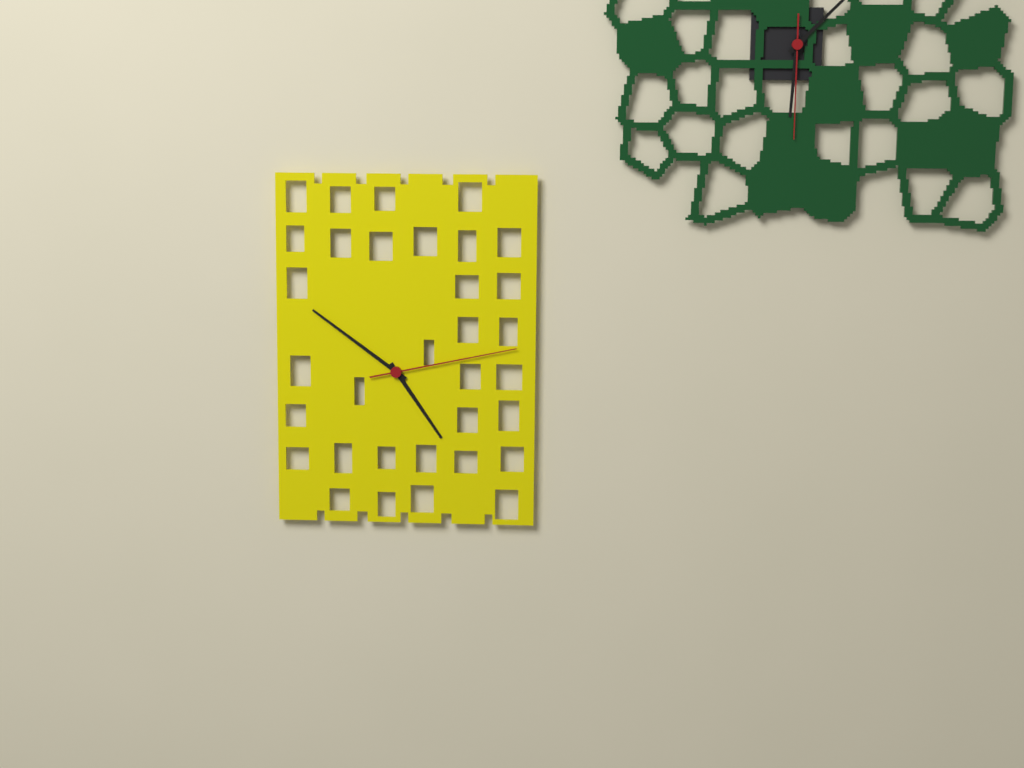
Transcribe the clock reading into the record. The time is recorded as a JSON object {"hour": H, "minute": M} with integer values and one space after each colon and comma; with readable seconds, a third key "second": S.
{"hour": 4, "minute": 51, "second": 13}
